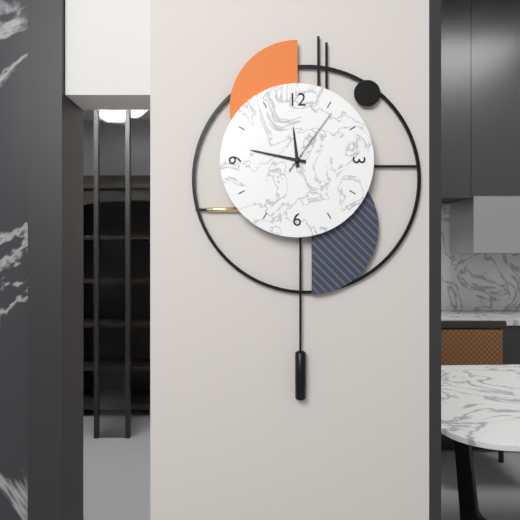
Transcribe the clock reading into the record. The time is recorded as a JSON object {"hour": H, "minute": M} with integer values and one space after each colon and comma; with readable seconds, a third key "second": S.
{"hour": 11, "minute": 47, "second": 6}
